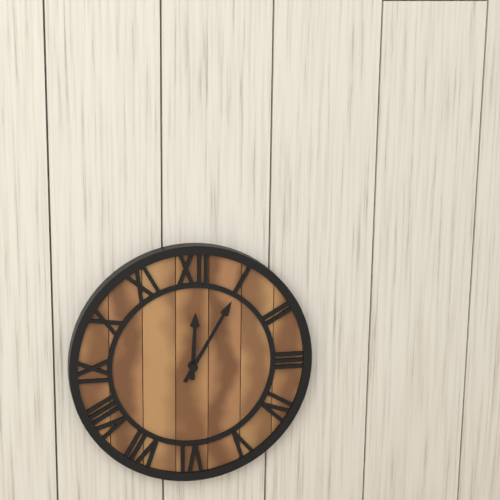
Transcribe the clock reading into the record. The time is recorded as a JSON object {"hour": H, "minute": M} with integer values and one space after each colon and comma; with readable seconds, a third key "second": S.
{"hour": 12, "minute": 5}
